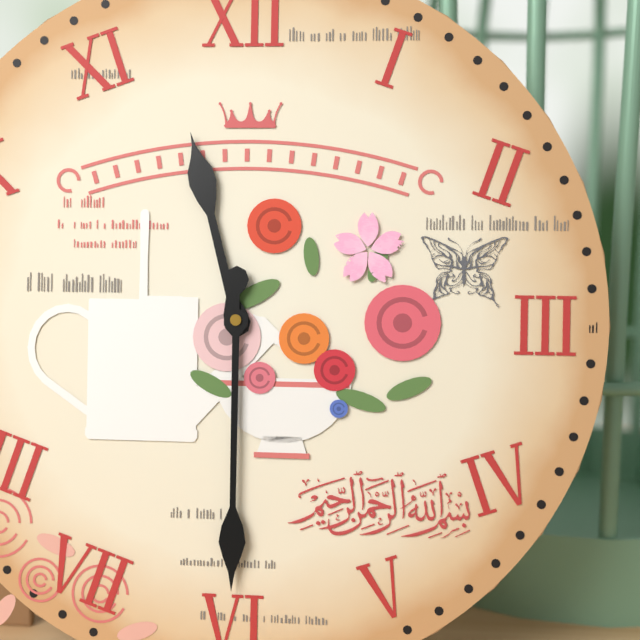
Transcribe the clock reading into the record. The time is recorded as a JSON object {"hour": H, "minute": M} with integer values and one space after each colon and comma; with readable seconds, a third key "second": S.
{"hour": 11, "minute": 30}
